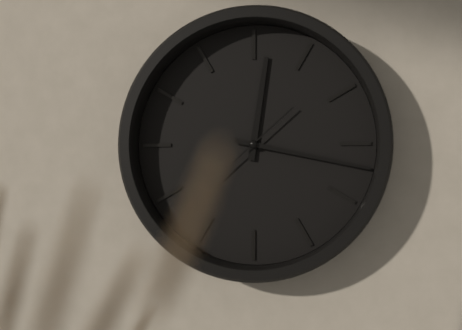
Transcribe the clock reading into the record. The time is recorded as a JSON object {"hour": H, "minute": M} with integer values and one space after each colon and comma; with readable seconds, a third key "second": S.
{"hour": 12, "minute": 17, "second": 38}
